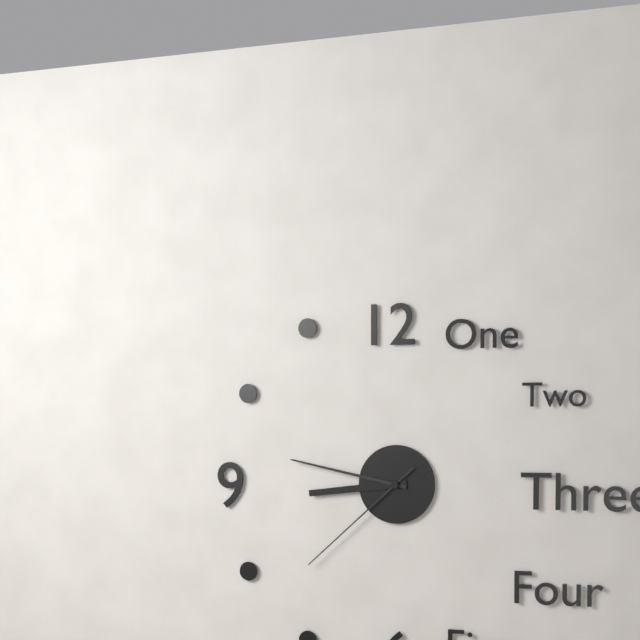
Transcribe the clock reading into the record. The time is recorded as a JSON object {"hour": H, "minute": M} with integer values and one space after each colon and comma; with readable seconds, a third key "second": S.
{"hour": 8, "minute": 47, "second": 38}
